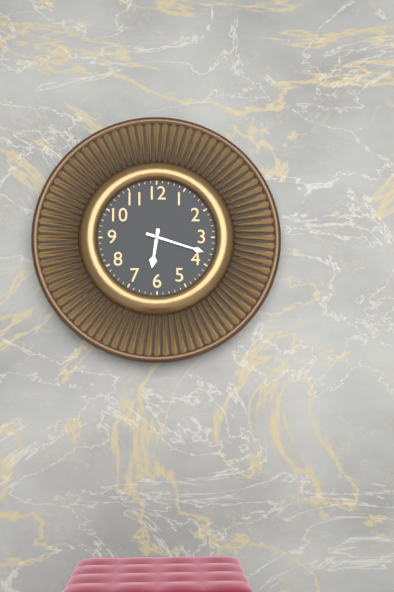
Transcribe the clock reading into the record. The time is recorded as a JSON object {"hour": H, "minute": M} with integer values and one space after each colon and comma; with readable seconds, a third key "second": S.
{"hour": 6, "minute": 18}
